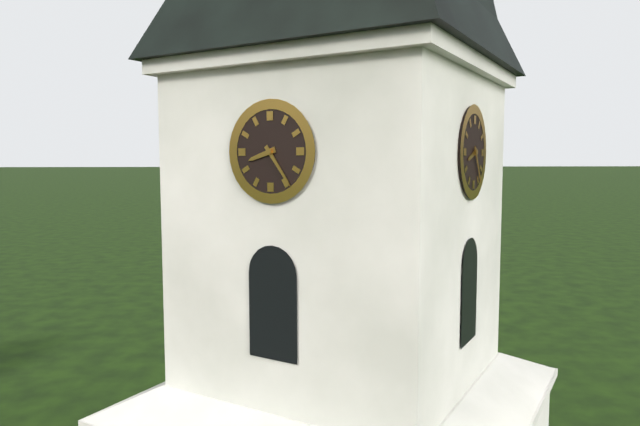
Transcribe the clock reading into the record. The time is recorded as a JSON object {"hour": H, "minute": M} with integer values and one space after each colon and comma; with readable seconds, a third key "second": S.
{"hour": 8, "minute": 24}
